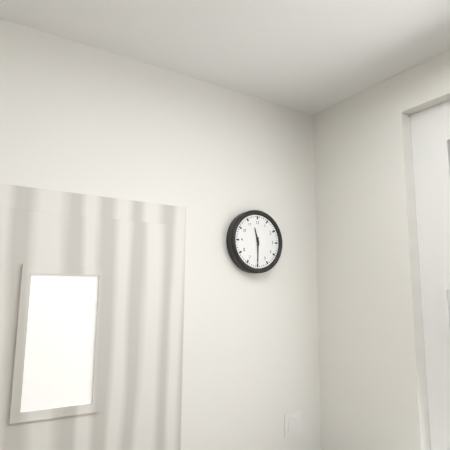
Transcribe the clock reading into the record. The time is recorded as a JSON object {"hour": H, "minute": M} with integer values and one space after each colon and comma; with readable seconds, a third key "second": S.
{"hour": 11, "minute": 30}
